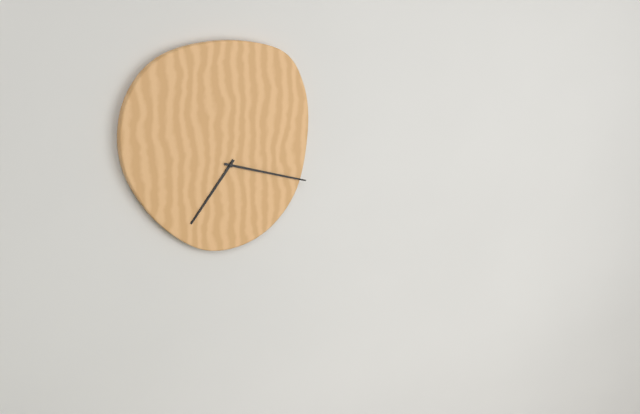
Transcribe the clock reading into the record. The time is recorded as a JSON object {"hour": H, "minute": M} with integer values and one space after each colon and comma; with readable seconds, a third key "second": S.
{"hour": 7, "minute": 18}
